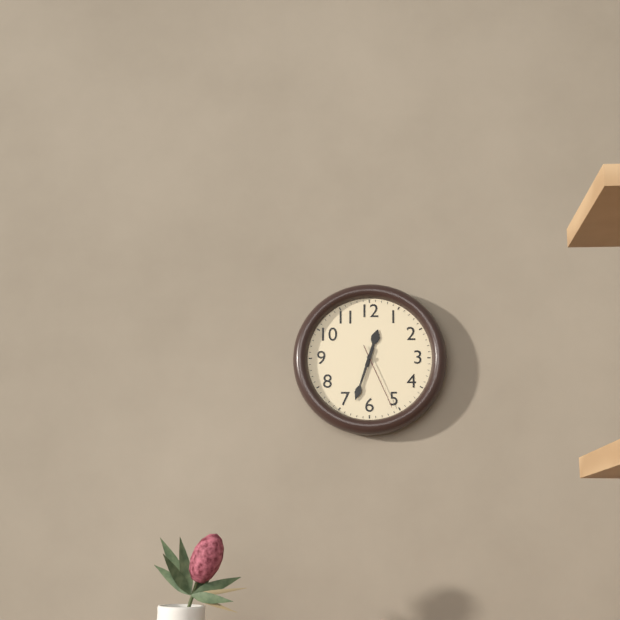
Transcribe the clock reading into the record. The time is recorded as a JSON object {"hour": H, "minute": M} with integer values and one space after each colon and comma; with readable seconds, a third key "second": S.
{"hour": 12, "minute": 33, "second": 26}
